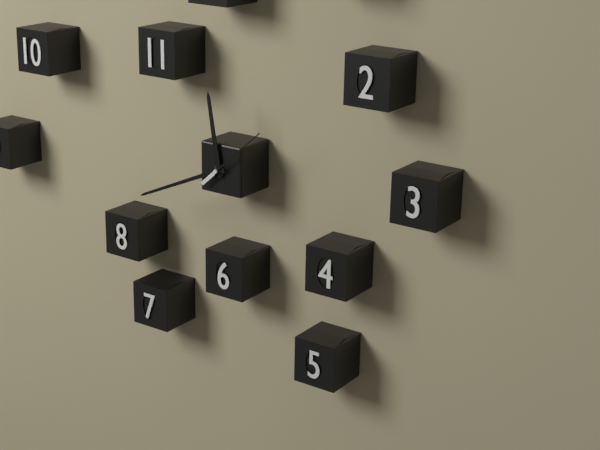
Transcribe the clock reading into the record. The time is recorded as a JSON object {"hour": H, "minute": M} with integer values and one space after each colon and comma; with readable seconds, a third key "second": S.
{"hour": 11, "minute": 41, "second": 8}
